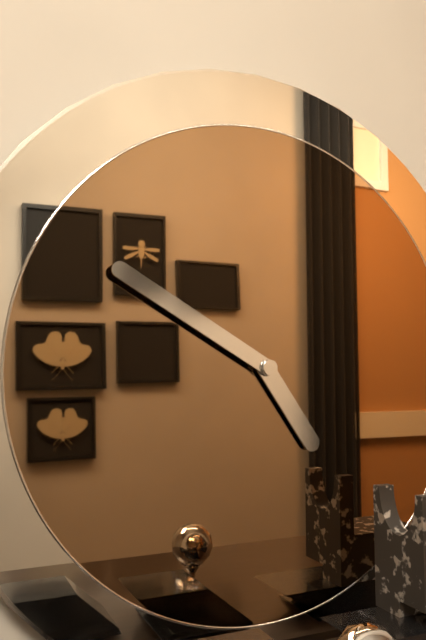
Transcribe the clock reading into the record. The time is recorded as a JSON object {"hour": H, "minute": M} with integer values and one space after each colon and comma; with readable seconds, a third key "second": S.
{"hour": 4, "minute": 50}
